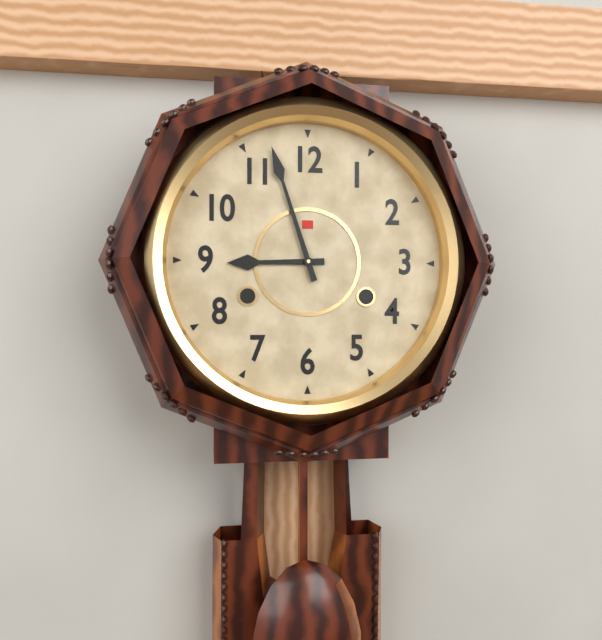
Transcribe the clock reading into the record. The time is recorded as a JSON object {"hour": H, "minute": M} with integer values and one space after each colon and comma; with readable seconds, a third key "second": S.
{"hour": 8, "minute": 57}
